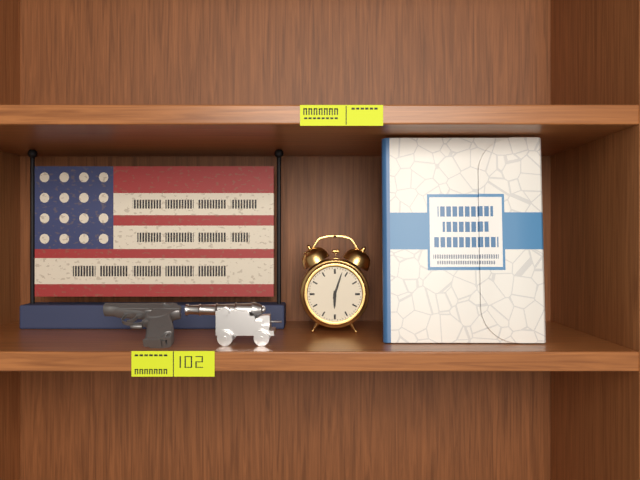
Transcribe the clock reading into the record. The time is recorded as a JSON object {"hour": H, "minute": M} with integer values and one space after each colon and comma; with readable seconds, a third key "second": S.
{"hour": 6, "minute": 3}
